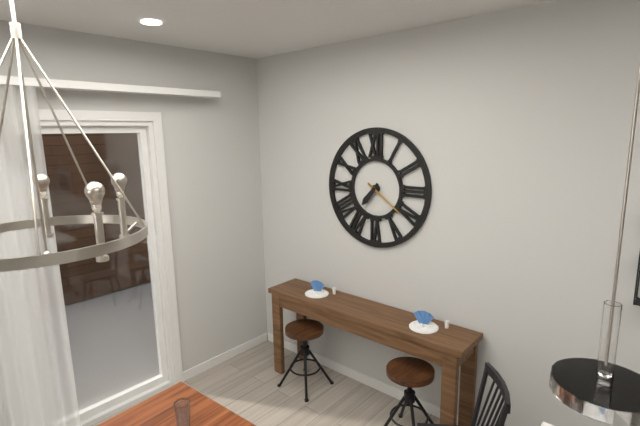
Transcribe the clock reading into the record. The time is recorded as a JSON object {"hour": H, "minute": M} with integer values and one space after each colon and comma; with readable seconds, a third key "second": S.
{"hour": 7, "minute": 21}
